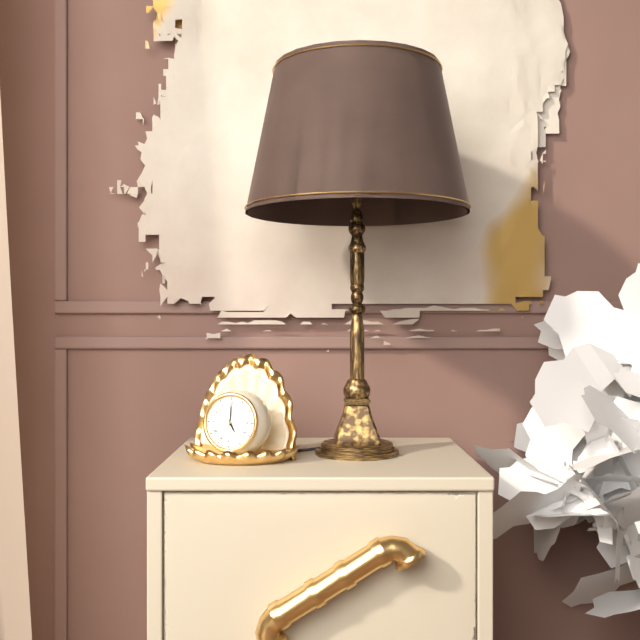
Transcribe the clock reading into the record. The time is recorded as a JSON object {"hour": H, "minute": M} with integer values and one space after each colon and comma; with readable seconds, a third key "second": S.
{"hour": 5, "minute": 0}
